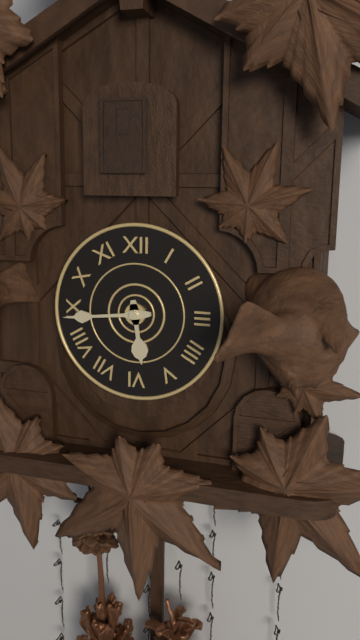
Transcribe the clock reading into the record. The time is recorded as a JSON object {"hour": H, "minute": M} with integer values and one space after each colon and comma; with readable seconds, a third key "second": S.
{"hour": 5, "minute": 44}
